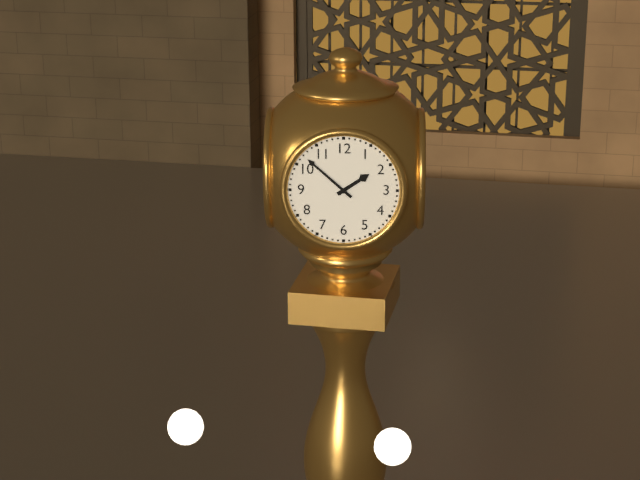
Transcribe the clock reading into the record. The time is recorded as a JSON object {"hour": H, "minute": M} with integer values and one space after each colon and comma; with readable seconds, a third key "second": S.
{"hour": 1, "minute": 52}
